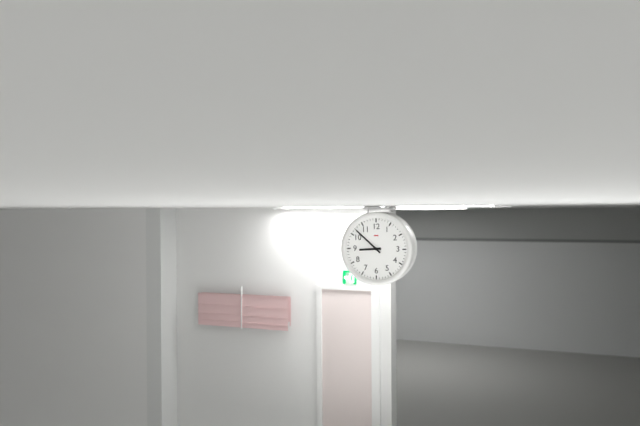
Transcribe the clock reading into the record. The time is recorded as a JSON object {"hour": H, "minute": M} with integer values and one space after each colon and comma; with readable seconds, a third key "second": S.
{"hour": 8, "minute": 52}
